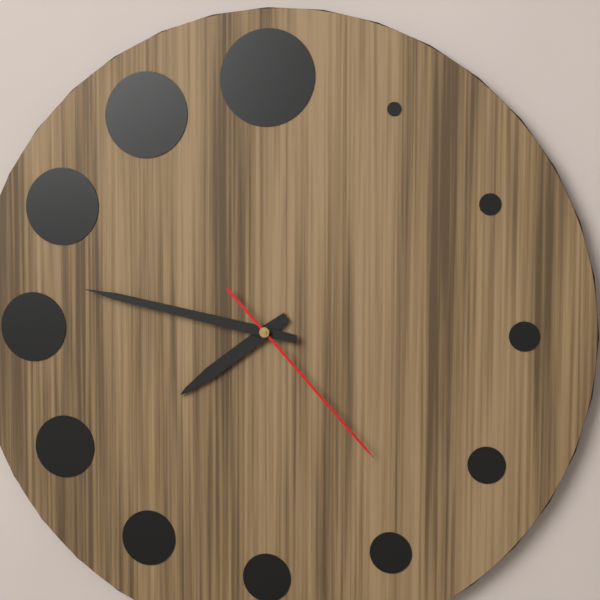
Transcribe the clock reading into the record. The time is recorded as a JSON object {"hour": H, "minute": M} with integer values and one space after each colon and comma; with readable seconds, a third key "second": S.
{"hour": 7, "minute": 47, "second": 23}
